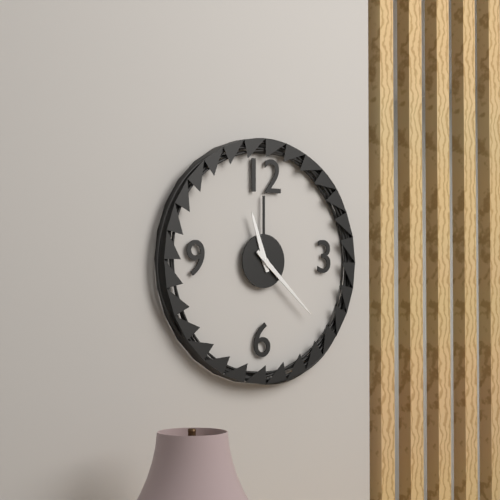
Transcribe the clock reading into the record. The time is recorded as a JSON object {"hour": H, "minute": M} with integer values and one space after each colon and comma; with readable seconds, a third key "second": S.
{"hour": 11, "minute": 22}
